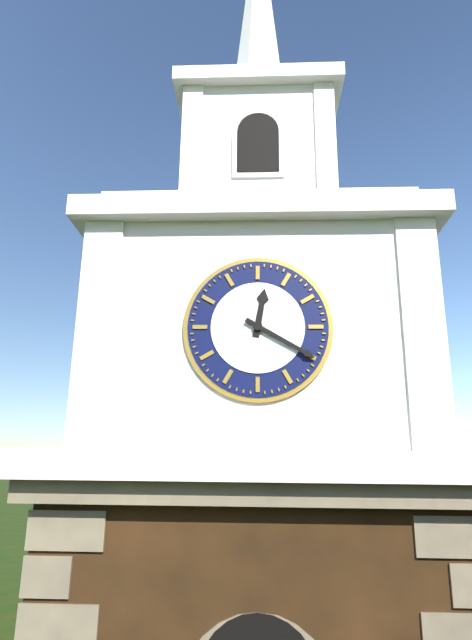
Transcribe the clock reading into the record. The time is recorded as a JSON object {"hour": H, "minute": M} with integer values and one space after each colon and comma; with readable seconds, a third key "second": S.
{"hour": 12, "minute": 20}
